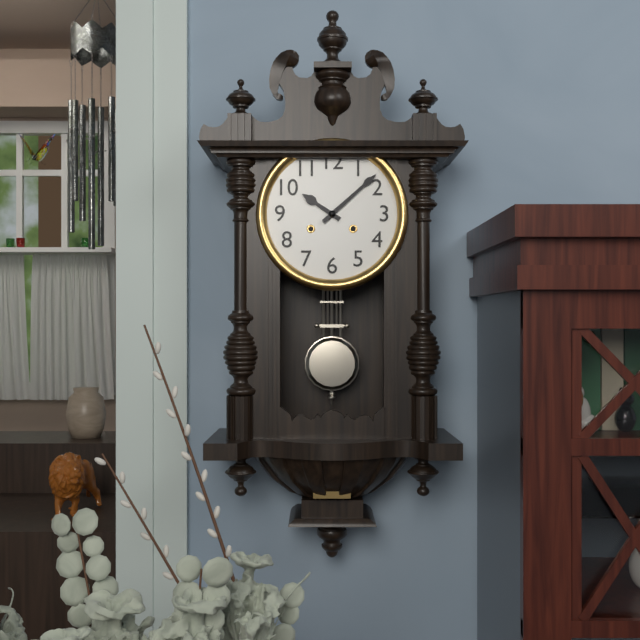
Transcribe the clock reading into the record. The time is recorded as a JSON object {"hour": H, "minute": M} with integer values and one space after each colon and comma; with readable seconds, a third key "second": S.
{"hour": 10, "minute": 8}
